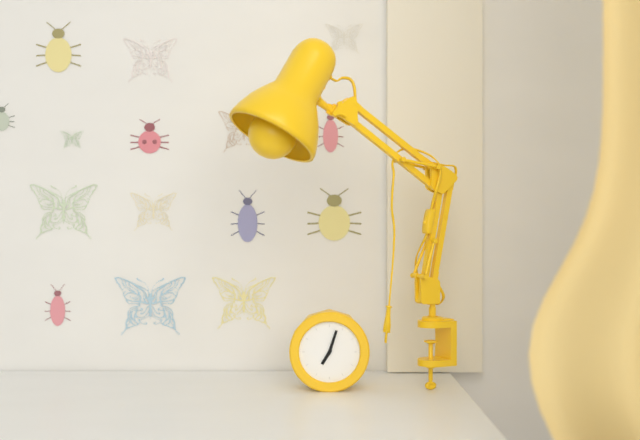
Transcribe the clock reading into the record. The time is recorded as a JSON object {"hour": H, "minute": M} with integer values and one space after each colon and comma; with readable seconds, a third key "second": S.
{"hour": 7, "minute": 3}
